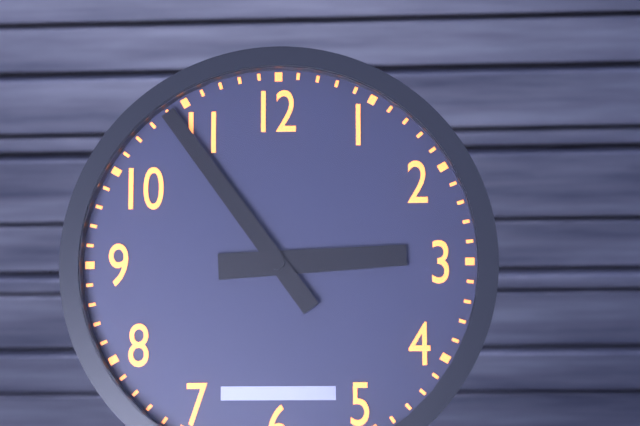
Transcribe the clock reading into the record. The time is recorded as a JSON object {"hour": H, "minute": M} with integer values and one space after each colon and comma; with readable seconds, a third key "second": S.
{"hour": 2, "minute": 54}
